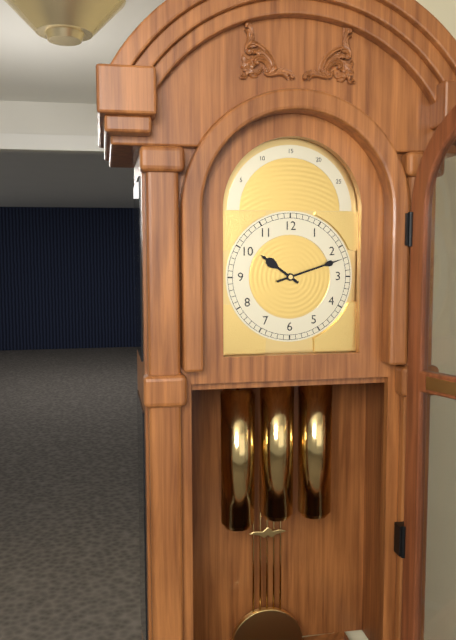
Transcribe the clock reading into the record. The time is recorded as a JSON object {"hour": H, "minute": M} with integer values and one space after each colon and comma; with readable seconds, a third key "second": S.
{"hour": 10, "minute": 12}
